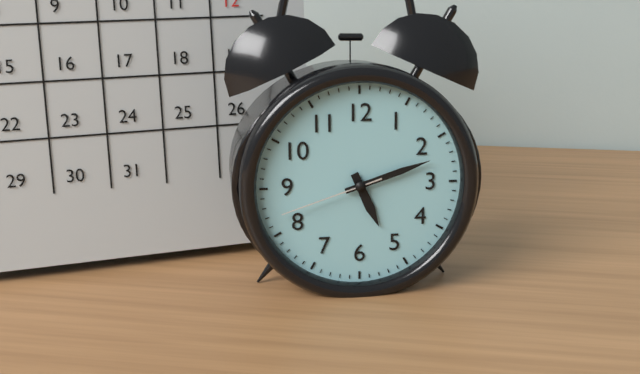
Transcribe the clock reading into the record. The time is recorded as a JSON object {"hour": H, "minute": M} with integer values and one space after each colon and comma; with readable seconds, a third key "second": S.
{"hour": 5, "minute": 12, "second": 42}
